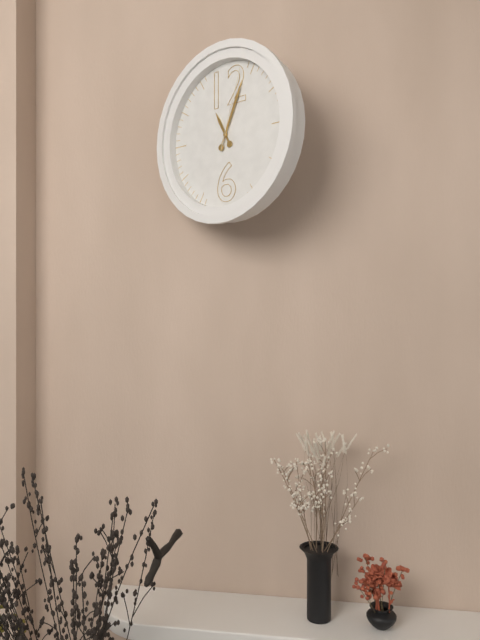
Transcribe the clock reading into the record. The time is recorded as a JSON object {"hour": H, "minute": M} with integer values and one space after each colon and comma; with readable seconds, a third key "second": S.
{"hour": 11, "minute": 4, "second": 3}
